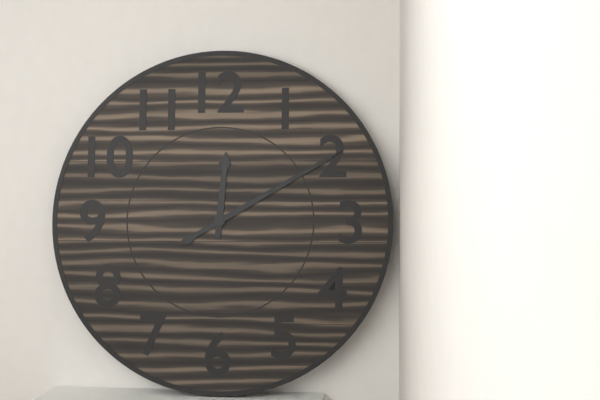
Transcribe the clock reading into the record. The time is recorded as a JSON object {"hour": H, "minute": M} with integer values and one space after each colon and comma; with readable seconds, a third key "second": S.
{"hour": 12, "minute": 10}
